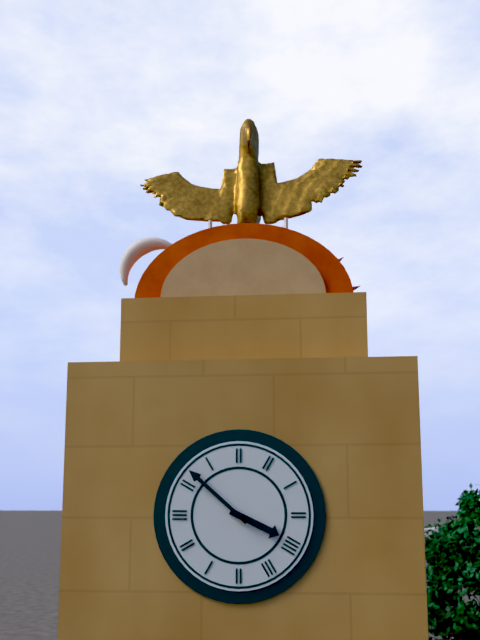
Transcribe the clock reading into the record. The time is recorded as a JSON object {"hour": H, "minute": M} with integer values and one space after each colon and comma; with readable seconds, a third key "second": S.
{"hour": 3, "minute": 52}
